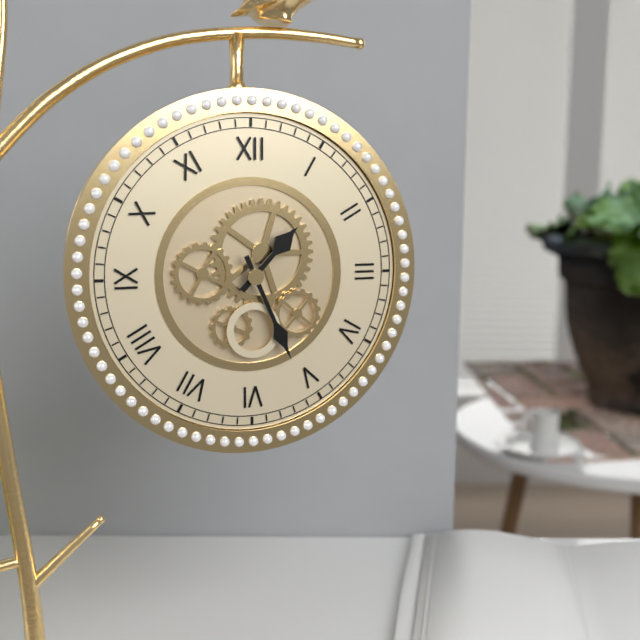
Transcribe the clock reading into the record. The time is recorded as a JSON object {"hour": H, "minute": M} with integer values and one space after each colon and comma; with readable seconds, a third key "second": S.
{"hour": 1, "minute": 26}
